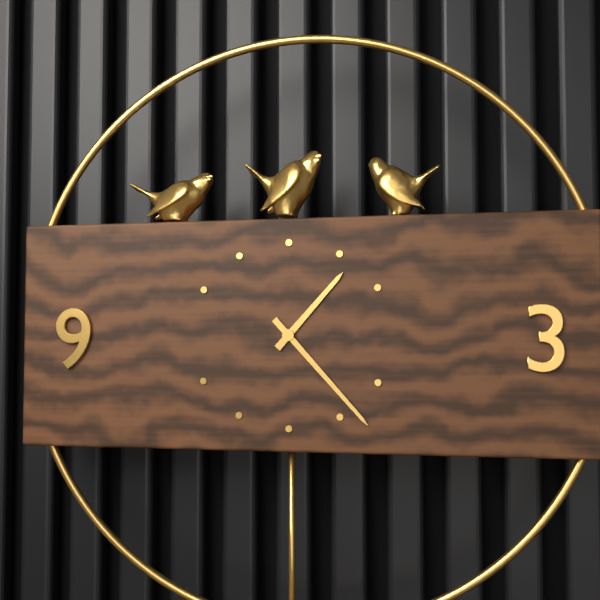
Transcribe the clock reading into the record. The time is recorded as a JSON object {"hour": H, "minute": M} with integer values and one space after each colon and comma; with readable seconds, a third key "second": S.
{"hour": 1, "minute": 23}
